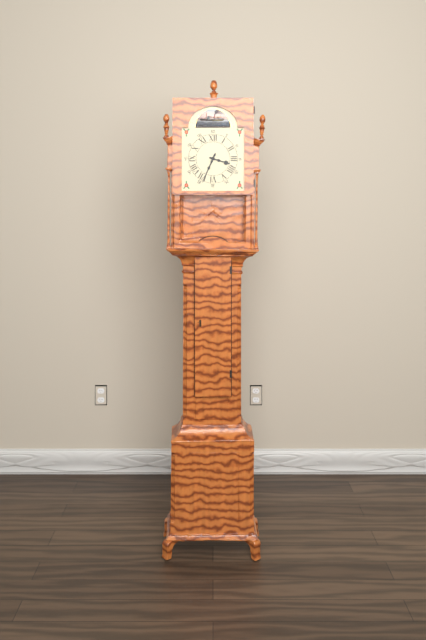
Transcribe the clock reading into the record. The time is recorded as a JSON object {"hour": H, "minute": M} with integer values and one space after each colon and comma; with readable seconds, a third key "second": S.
{"hour": 3, "minute": 34}
